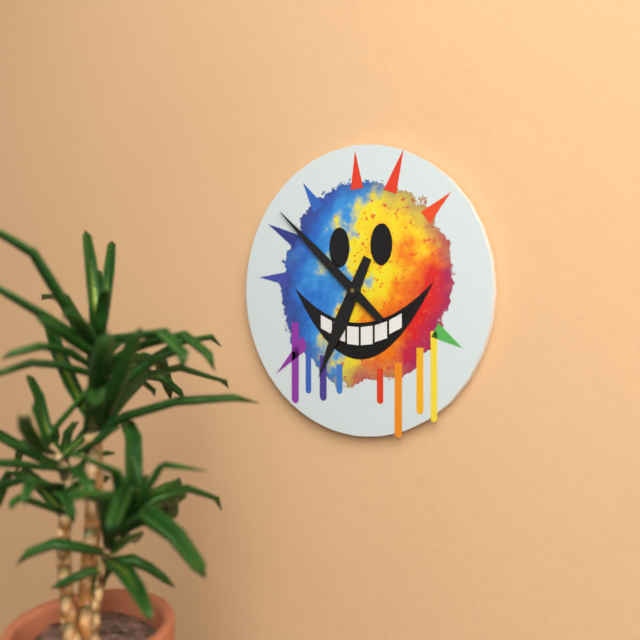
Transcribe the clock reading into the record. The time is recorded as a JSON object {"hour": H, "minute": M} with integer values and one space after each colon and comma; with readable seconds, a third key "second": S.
{"hour": 6, "minute": 52}
